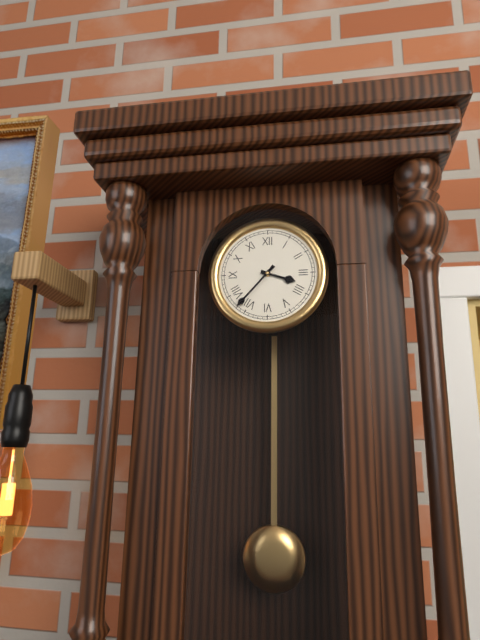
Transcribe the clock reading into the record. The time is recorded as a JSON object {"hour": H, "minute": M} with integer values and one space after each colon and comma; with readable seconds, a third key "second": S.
{"hour": 3, "minute": 37}
